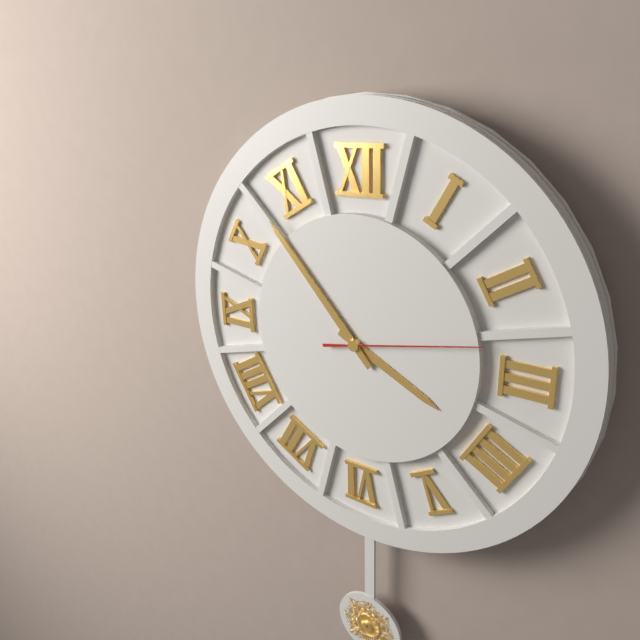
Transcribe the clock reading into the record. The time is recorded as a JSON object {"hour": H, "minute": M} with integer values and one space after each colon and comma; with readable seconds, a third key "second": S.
{"hour": 3, "minute": 53, "second": 13}
